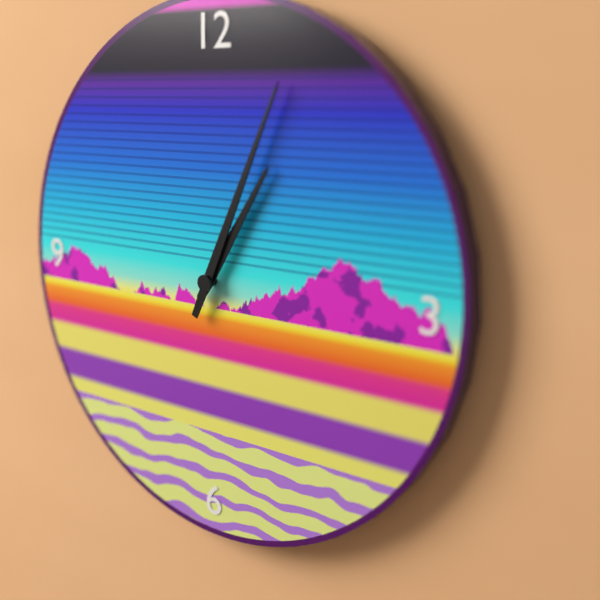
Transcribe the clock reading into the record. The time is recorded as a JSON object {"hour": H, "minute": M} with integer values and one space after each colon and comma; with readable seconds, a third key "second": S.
{"hour": 1, "minute": 4}
